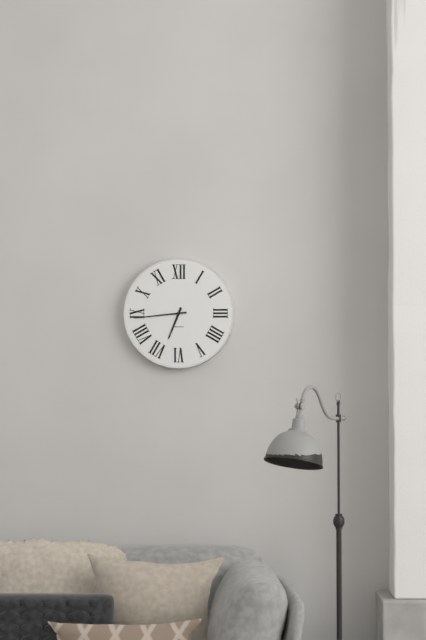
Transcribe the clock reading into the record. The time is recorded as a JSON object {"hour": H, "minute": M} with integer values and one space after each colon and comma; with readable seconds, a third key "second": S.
{"hour": 6, "minute": 44}
